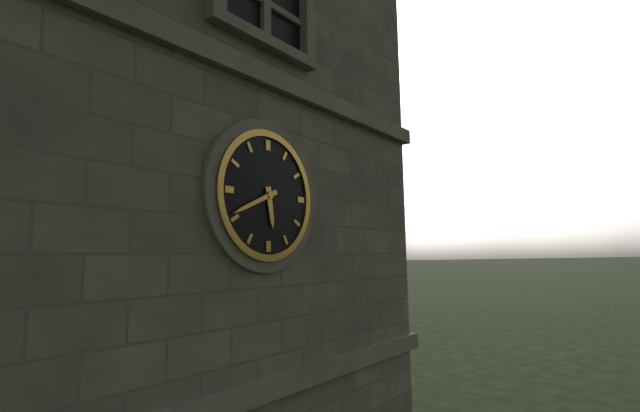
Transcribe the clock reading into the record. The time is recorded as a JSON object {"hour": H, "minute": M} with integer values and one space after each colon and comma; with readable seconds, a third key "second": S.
{"hour": 5, "minute": 41}
